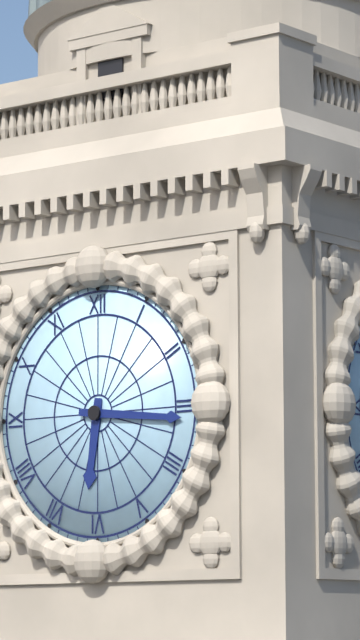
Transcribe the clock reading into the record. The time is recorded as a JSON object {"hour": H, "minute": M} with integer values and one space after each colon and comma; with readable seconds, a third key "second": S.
{"hour": 6, "minute": 16}
